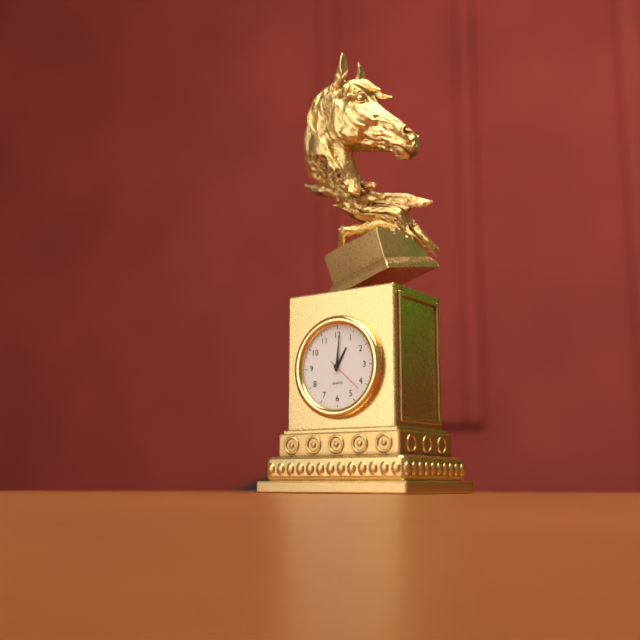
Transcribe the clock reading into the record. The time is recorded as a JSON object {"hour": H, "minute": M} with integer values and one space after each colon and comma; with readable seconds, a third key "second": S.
{"hour": 1, "minute": 1}
